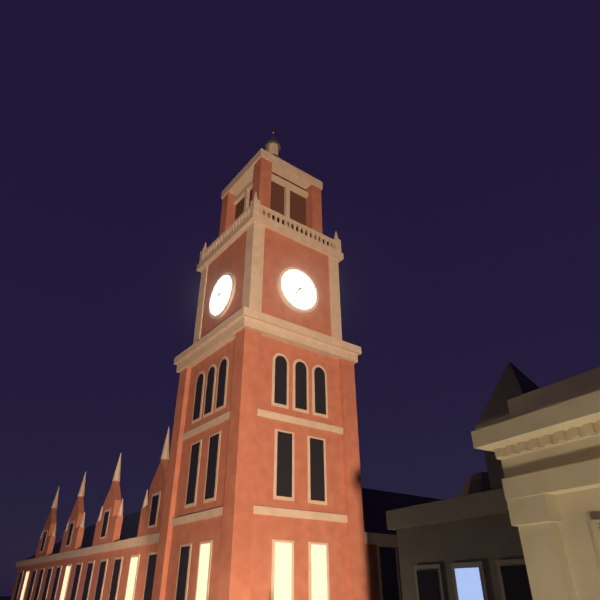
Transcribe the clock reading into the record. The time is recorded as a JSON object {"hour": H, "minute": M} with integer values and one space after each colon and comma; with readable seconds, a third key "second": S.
{"hour": 7, "minute": 16}
